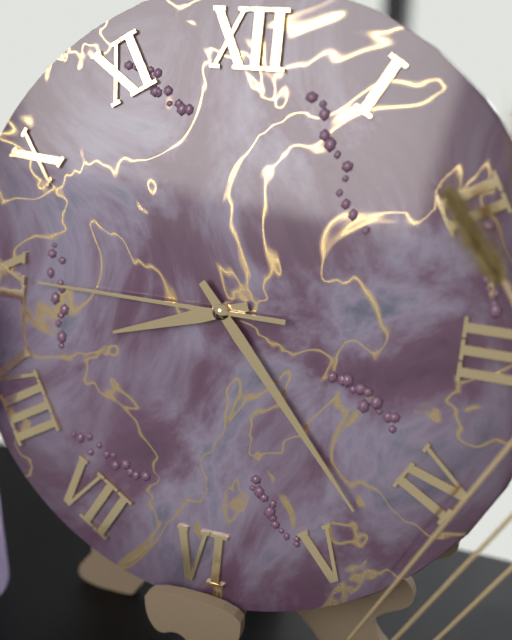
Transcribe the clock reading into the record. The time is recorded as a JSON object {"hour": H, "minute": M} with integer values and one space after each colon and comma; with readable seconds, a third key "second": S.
{"hour": 8, "minute": 23, "second": 45}
